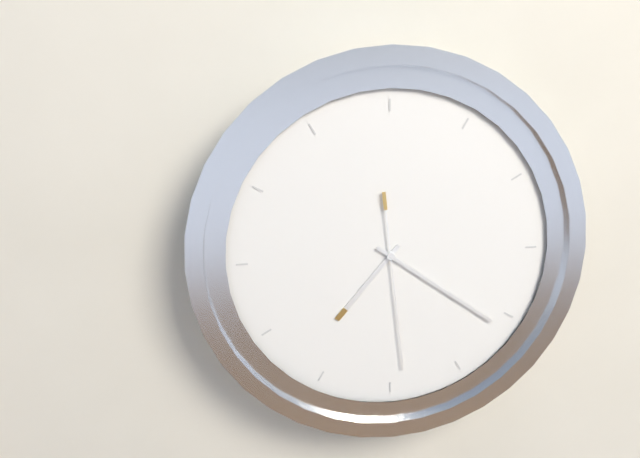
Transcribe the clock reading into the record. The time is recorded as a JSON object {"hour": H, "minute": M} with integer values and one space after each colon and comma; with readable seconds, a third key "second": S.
{"hour": 7, "minute": 21, "second": 29}
